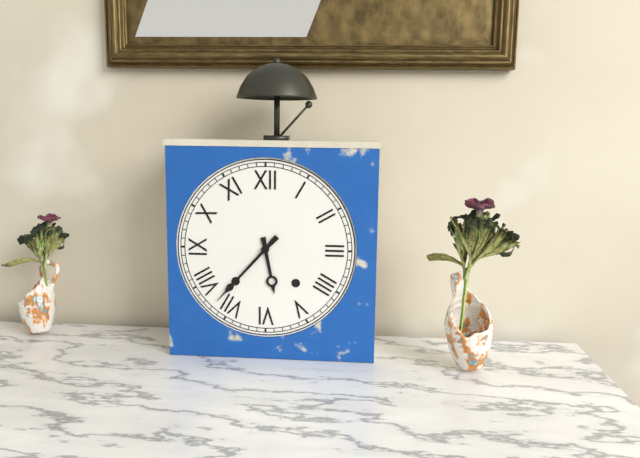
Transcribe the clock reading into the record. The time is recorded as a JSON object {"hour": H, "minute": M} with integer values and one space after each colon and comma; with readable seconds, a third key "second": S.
{"hour": 5, "minute": 37}
